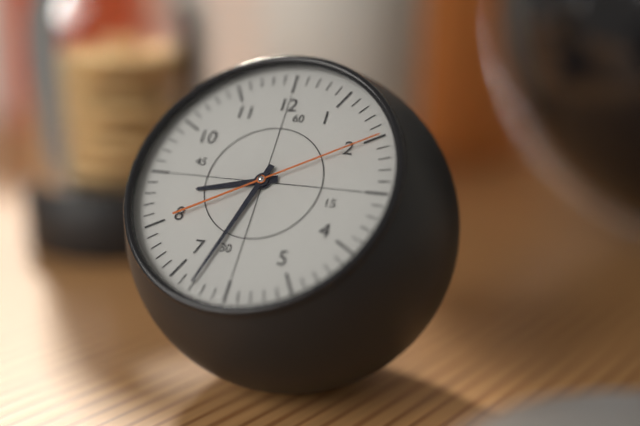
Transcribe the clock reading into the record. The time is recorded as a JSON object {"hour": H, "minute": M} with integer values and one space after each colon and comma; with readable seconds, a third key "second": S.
{"hour": 8, "minute": 33, "second": 10}
